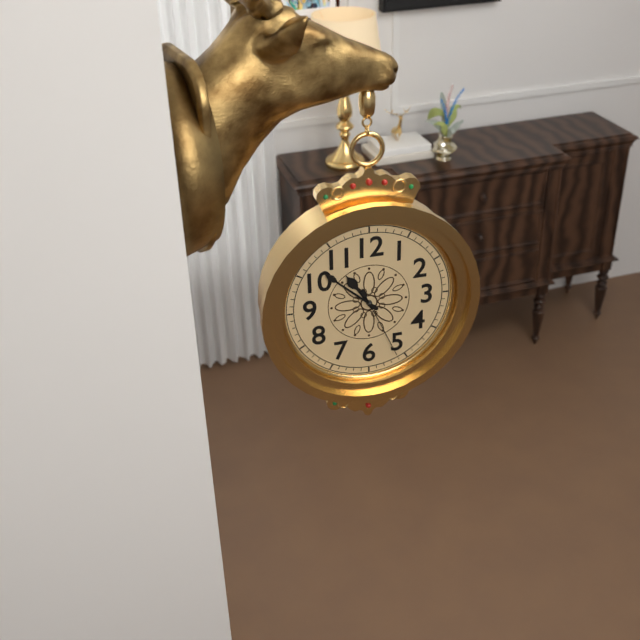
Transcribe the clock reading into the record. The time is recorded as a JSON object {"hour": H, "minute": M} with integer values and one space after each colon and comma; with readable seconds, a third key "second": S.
{"hour": 10, "minute": 52, "second": 26}
